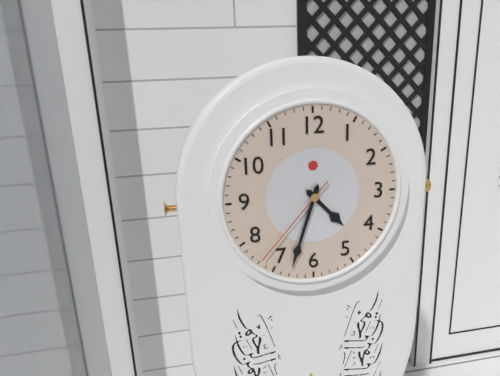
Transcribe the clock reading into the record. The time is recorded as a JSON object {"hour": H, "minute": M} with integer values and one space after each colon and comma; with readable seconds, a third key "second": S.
{"hour": 4, "minute": 33, "second": 37}
